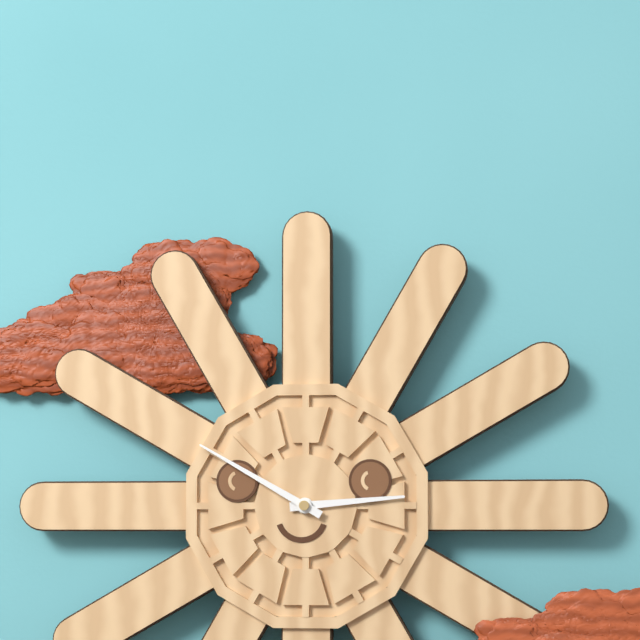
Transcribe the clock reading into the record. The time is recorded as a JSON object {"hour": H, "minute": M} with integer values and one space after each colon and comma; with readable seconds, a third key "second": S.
{"hour": 2, "minute": 50}
